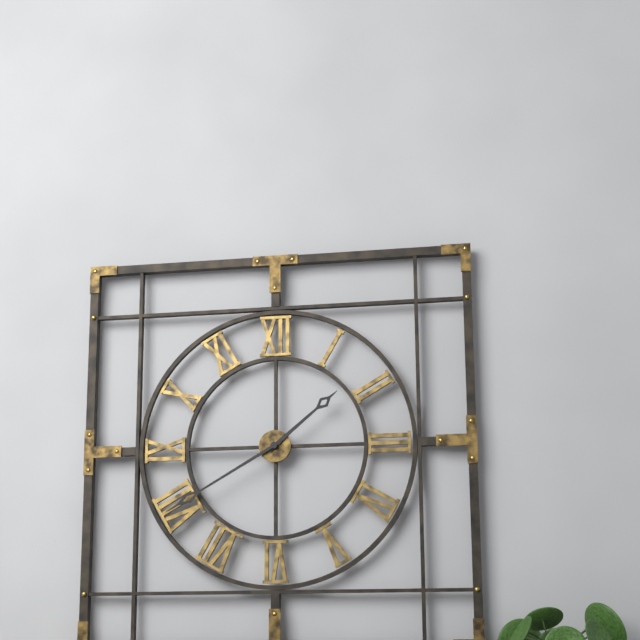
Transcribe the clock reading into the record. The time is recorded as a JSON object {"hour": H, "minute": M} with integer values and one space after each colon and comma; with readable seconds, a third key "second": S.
{"hour": 1, "minute": 40}
